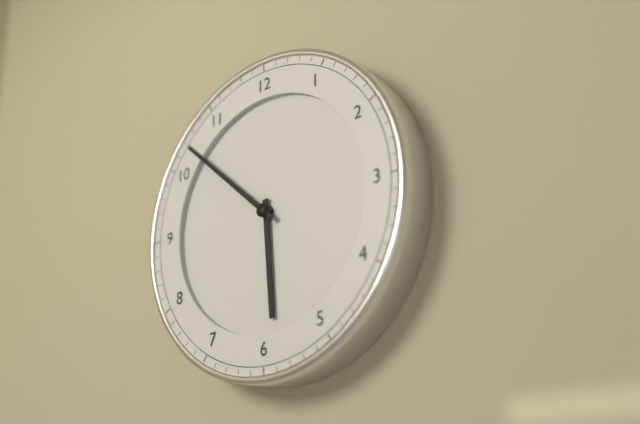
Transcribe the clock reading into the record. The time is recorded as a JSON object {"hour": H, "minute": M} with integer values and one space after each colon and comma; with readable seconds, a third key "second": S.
{"hour": 5, "minute": 52}
